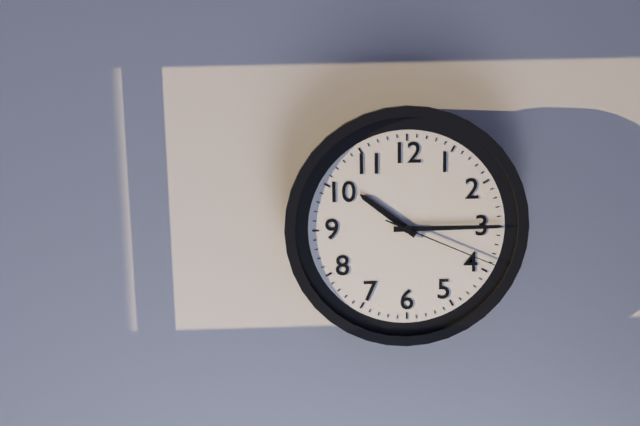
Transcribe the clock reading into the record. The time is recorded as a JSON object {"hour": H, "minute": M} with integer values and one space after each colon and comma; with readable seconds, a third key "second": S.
{"hour": 10, "minute": 15, "second": 19}
